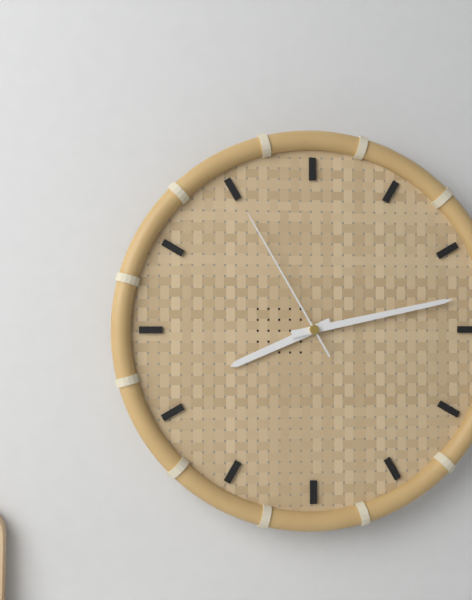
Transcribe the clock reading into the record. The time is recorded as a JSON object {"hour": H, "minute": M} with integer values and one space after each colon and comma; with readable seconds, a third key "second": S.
{"hour": 8, "minute": 13, "second": 55}
